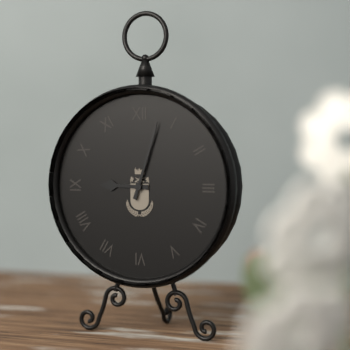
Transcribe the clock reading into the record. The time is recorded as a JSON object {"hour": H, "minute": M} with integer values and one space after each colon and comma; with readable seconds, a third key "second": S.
{"hour": 9, "minute": 3}
